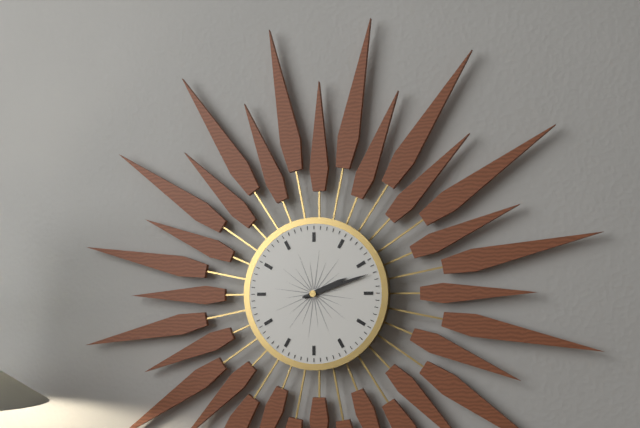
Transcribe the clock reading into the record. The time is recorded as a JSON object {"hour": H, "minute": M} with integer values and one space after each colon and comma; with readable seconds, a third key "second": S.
{"hour": 2, "minute": 12}
